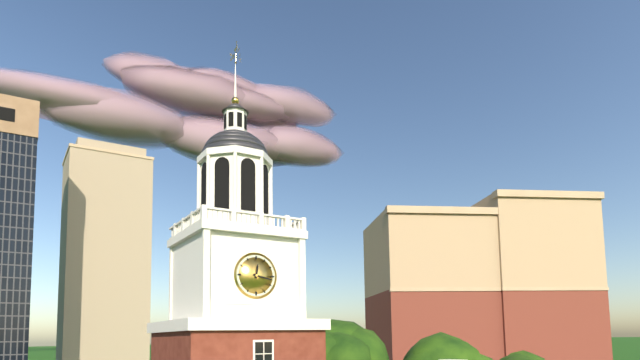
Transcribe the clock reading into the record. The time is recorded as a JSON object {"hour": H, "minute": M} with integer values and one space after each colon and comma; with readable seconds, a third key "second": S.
{"hour": 12, "minute": 17}
